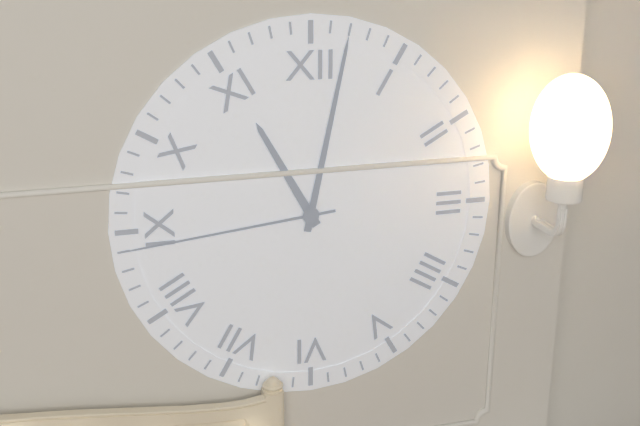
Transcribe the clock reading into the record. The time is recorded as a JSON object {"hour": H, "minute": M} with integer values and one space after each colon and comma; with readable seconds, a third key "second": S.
{"hour": 11, "minute": 2, "second": 44}
